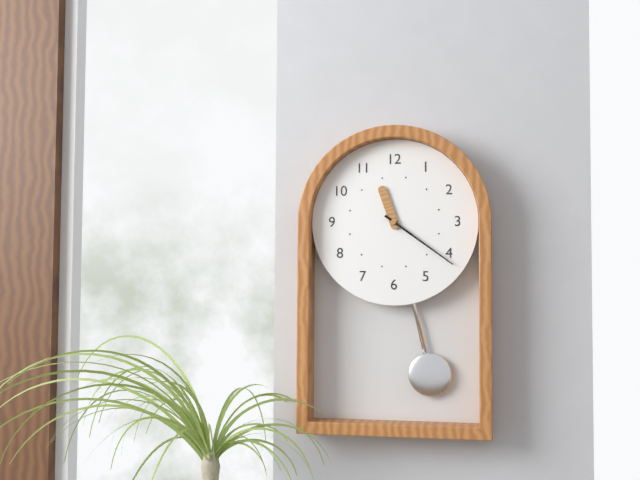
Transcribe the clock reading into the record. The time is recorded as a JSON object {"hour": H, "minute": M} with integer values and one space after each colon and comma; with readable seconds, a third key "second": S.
{"hour": 11, "minute": 21}
